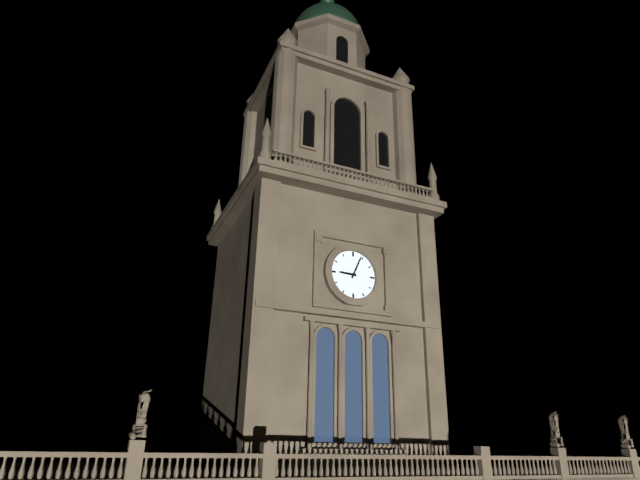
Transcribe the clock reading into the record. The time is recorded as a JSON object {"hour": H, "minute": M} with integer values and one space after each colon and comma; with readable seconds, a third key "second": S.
{"hour": 9, "minute": 4}
